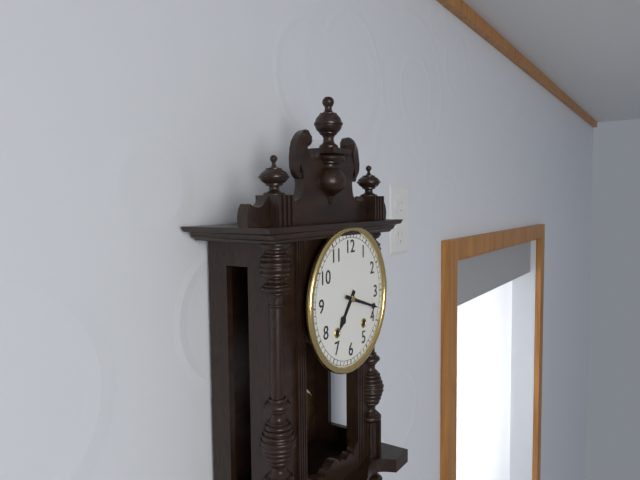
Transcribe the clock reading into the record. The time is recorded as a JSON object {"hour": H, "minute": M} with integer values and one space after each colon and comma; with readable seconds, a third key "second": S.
{"hour": 7, "minute": 18}
